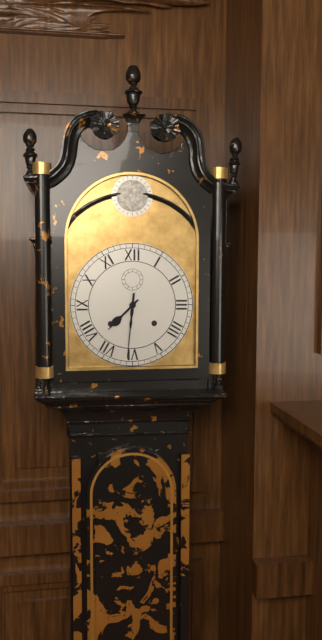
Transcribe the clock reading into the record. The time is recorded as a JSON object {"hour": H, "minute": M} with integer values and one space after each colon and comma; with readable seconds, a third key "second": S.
{"hour": 7, "minute": 31}
